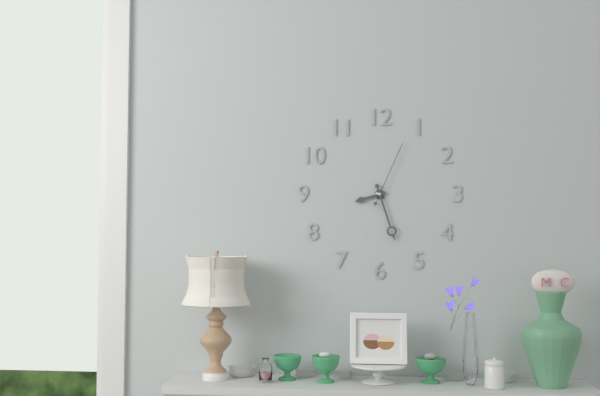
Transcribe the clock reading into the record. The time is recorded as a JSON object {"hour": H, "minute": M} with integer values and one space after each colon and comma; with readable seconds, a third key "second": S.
{"hour": 8, "minute": 27, "second": 4}
